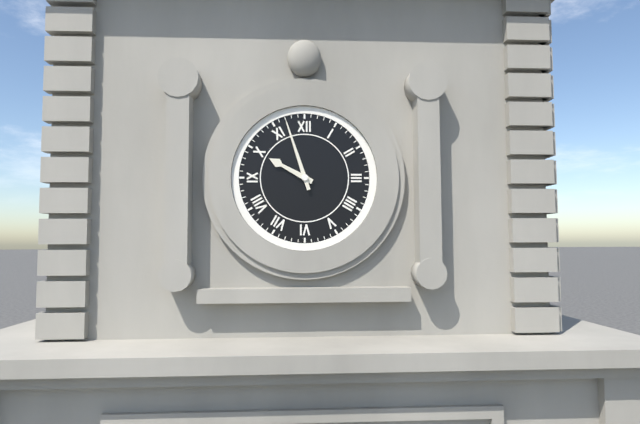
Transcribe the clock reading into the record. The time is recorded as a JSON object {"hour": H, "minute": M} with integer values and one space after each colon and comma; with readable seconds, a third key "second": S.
{"hour": 9, "minute": 57}
